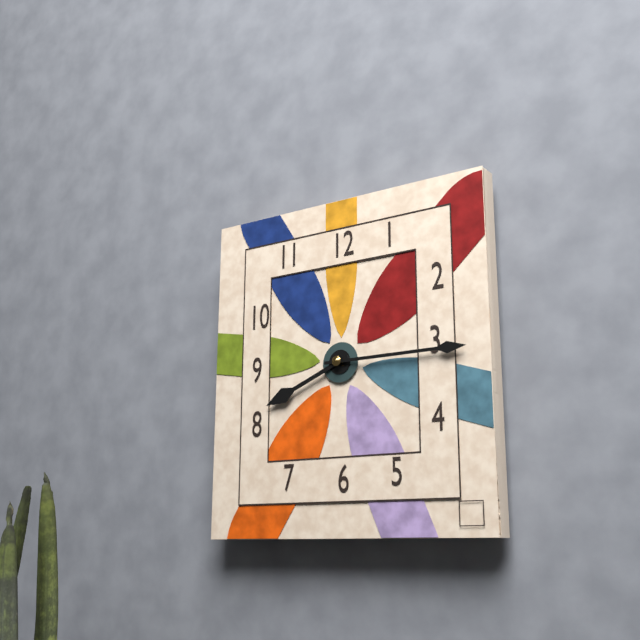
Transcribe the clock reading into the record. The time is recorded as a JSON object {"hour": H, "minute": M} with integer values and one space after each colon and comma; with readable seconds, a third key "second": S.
{"hour": 8, "minute": 15}
